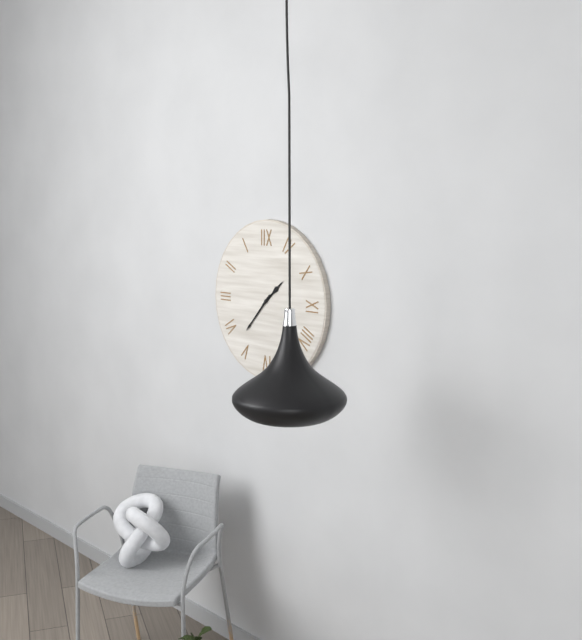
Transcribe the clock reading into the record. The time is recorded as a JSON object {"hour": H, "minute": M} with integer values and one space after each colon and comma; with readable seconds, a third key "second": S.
{"hour": 1, "minute": 37}
